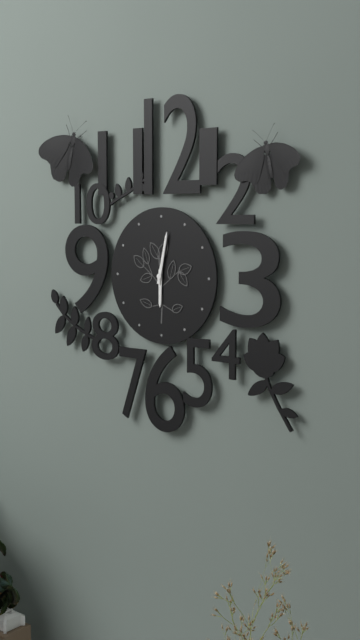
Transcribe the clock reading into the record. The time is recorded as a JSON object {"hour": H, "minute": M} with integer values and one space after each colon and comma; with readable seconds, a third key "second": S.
{"hour": 6, "minute": 2}
